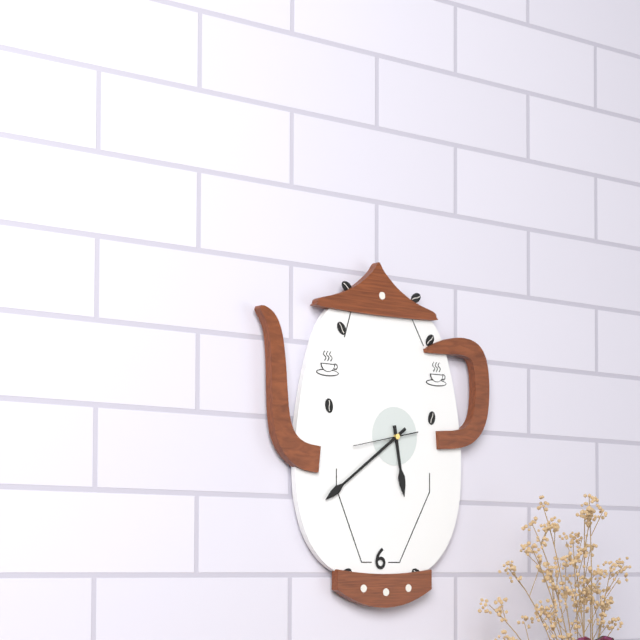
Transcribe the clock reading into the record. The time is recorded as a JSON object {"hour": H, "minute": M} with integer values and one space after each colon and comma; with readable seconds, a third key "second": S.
{"hour": 5, "minute": 39, "second": 43}
